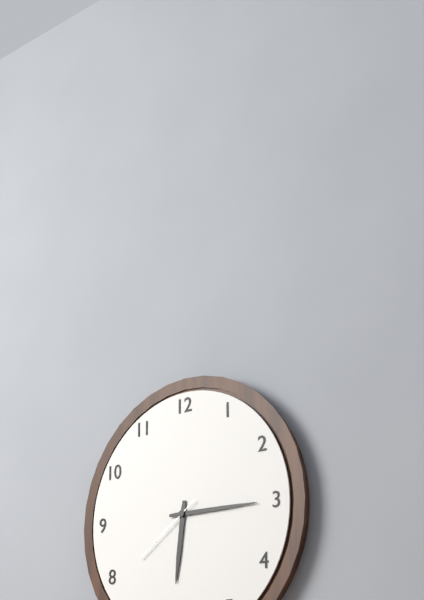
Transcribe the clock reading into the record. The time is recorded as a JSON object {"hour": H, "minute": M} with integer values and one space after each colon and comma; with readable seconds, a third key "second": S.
{"hour": 6, "minute": 15, "second": 39}
